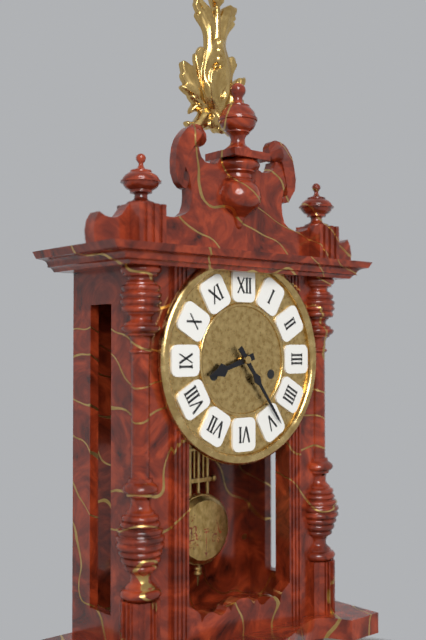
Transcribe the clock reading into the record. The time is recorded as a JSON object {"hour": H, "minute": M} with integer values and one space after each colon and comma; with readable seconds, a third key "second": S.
{"hour": 8, "minute": 24}
